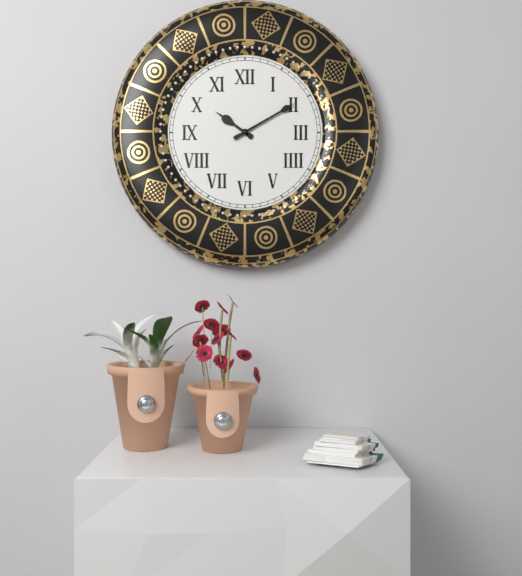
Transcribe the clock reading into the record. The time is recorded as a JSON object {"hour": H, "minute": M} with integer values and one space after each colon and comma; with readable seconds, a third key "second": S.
{"hour": 10, "minute": 10}
